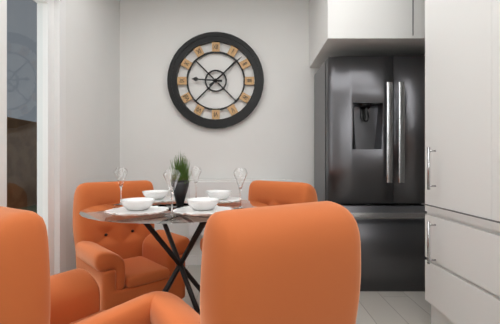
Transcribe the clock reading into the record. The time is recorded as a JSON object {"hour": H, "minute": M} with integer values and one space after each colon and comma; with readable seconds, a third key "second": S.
{"hour": 9, "minute": 8}
